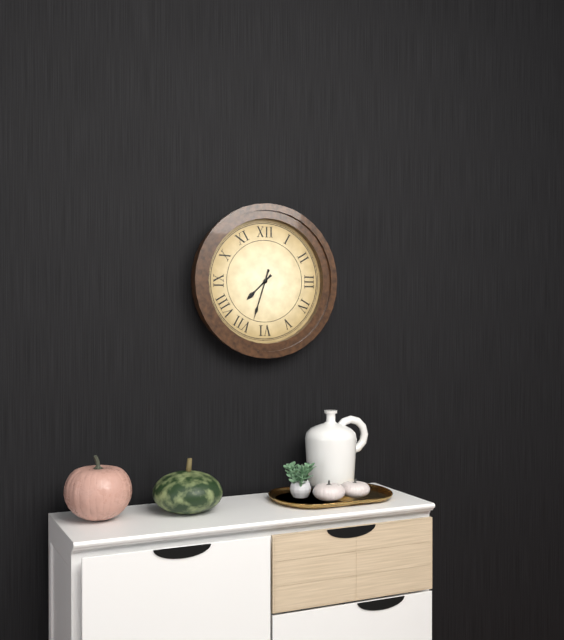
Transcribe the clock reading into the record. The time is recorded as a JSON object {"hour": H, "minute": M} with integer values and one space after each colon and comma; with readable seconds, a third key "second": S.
{"hour": 7, "minute": 33}
